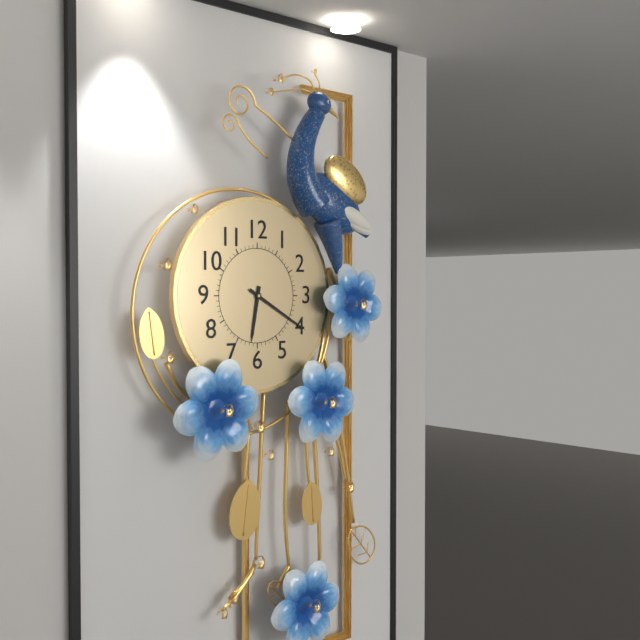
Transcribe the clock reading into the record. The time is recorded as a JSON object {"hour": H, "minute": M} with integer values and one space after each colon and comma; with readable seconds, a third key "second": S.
{"hour": 6, "minute": 20}
